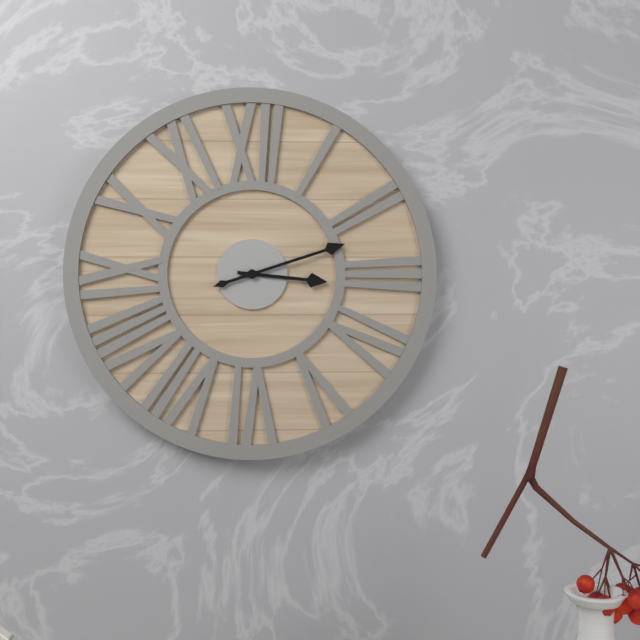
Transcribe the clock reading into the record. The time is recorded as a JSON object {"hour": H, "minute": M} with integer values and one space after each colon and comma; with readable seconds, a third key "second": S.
{"hour": 3, "minute": 12}
